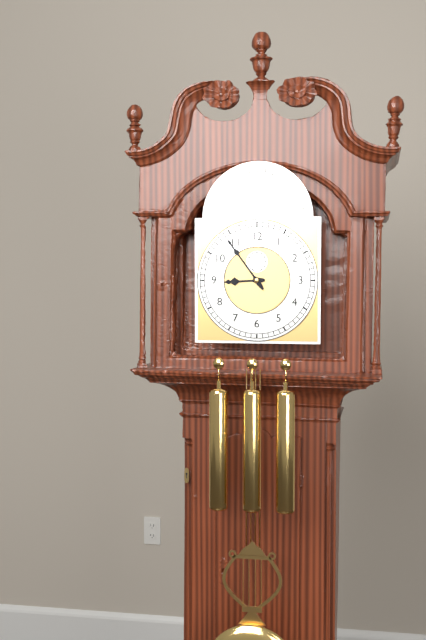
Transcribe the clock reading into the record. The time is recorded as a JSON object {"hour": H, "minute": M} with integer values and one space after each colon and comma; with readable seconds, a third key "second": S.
{"hour": 8, "minute": 54}
